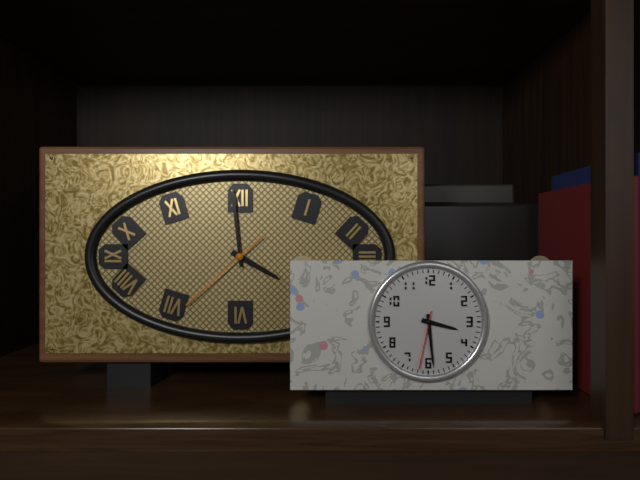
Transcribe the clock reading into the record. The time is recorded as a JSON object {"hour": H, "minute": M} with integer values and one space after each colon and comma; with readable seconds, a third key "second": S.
{"hour": 3, "minute": 59, "second": 38}
